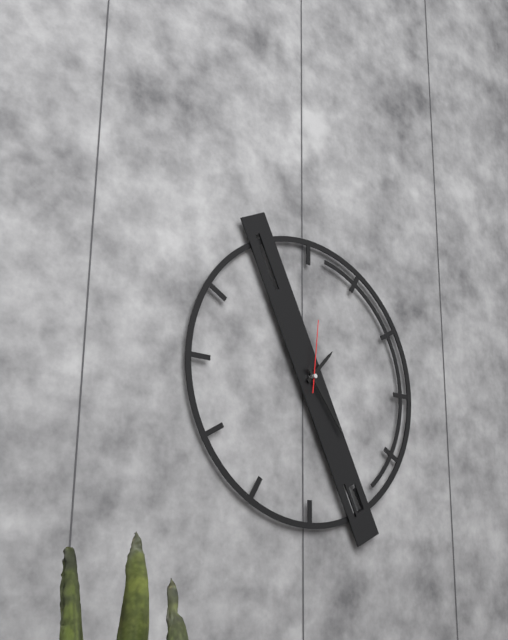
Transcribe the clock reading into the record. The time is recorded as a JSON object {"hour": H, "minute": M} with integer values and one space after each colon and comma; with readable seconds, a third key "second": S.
{"hour": 1, "minute": 24, "second": 1}
